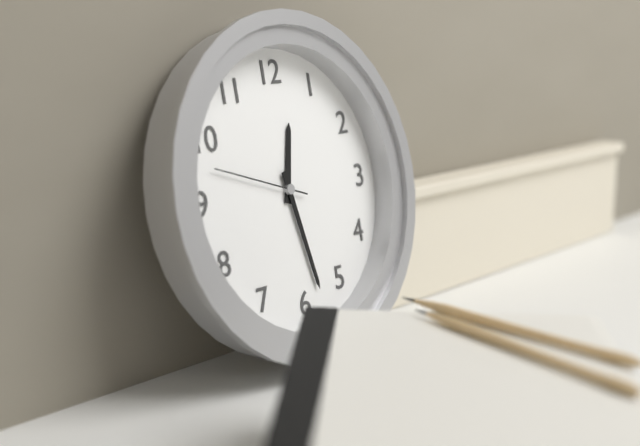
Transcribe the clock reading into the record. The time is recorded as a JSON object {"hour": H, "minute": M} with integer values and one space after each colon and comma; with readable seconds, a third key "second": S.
{"hour": 12, "minute": 28, "second": 48}
